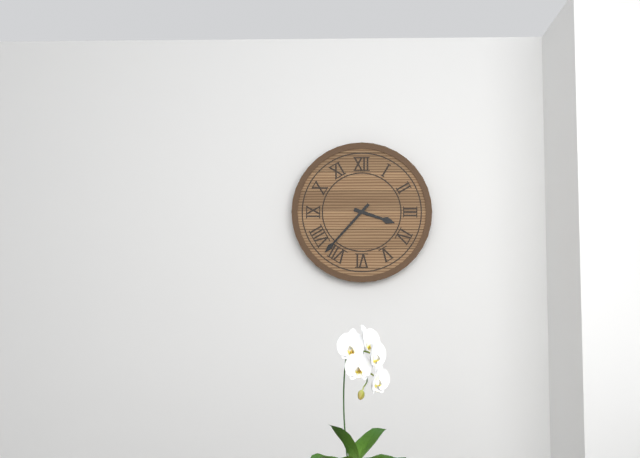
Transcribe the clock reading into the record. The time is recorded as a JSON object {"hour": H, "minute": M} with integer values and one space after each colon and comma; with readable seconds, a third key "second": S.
{"hour": 3, "minute": 37}
